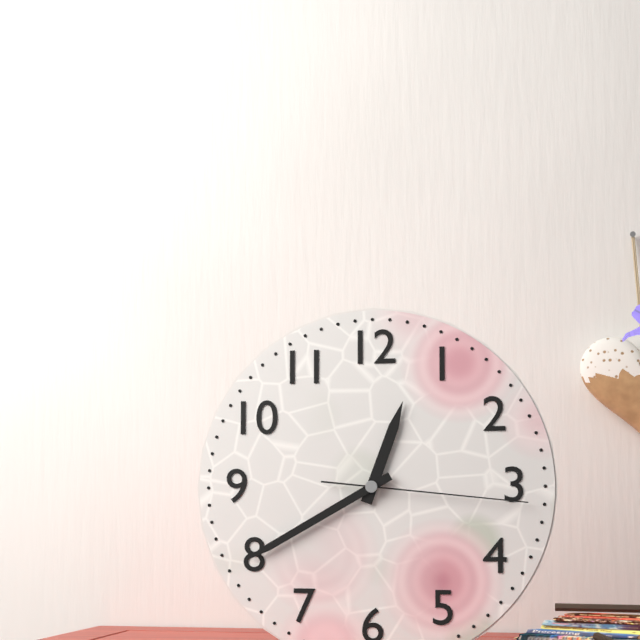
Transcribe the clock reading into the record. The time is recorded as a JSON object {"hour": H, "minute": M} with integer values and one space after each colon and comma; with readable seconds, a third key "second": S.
{"hour": 12, "minute": 40, "second": 16}
